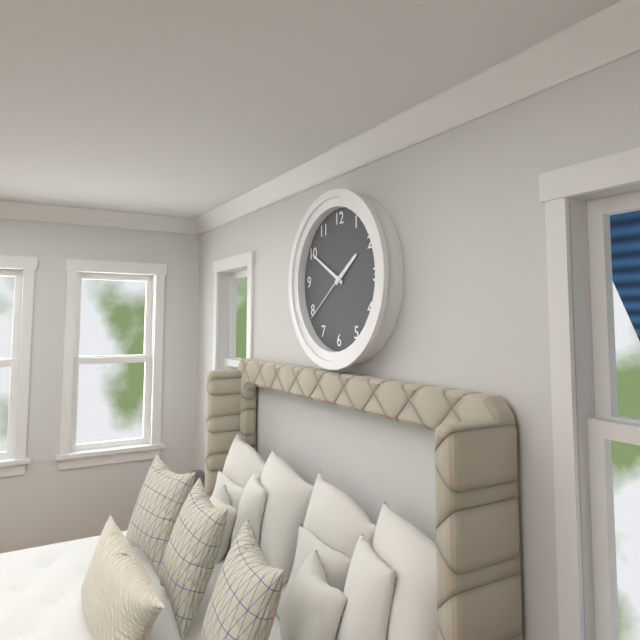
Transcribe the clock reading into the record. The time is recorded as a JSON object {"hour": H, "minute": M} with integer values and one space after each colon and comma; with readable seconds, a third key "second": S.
{"hour": 1, "minute": 50, "second": 39}
